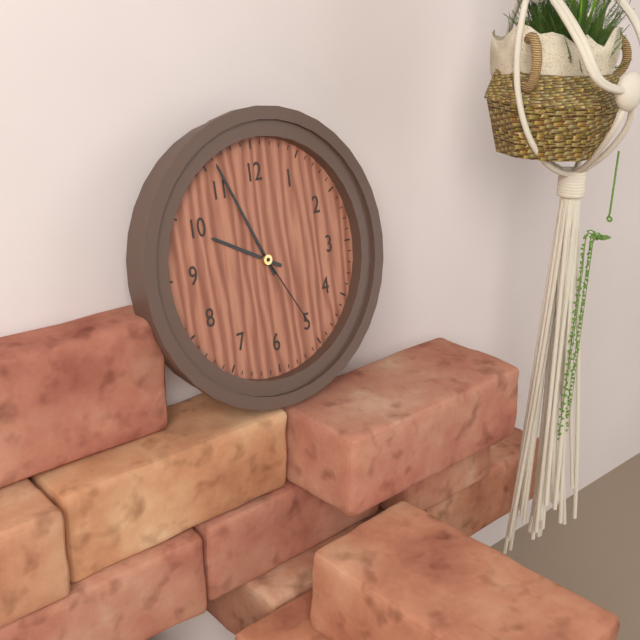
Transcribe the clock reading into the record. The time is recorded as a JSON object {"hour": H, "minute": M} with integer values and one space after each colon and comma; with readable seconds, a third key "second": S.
{"hour": 9, "minute": 56, "second": 25}
